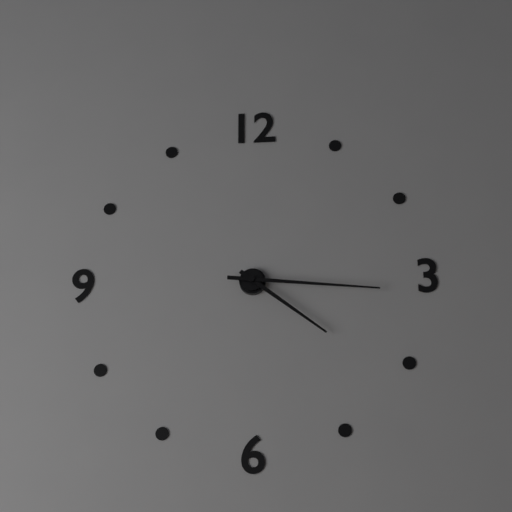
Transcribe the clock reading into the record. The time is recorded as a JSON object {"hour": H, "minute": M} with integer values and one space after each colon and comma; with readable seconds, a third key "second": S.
{"hour": 4, "minute": 16}
